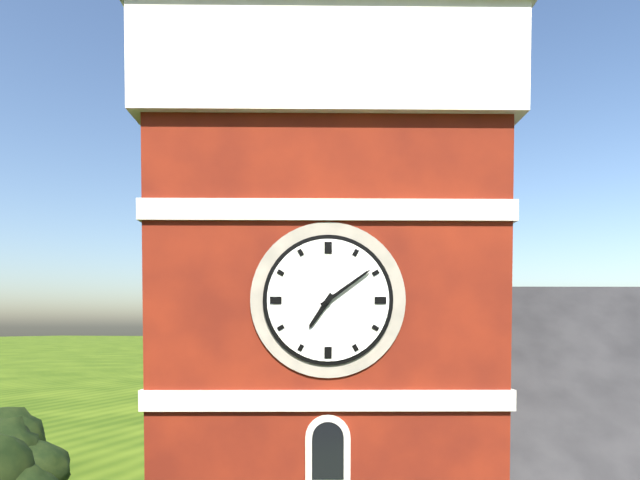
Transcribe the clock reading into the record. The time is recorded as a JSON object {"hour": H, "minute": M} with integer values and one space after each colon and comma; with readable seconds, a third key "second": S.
{"hour": 7, "minute": 9}
